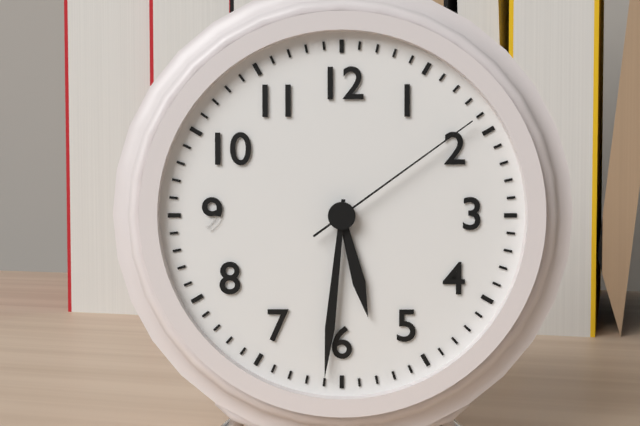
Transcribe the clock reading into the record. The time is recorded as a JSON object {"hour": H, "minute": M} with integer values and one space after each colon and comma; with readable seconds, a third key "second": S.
{"hour": 5, "minute": 31, "second": 9}
